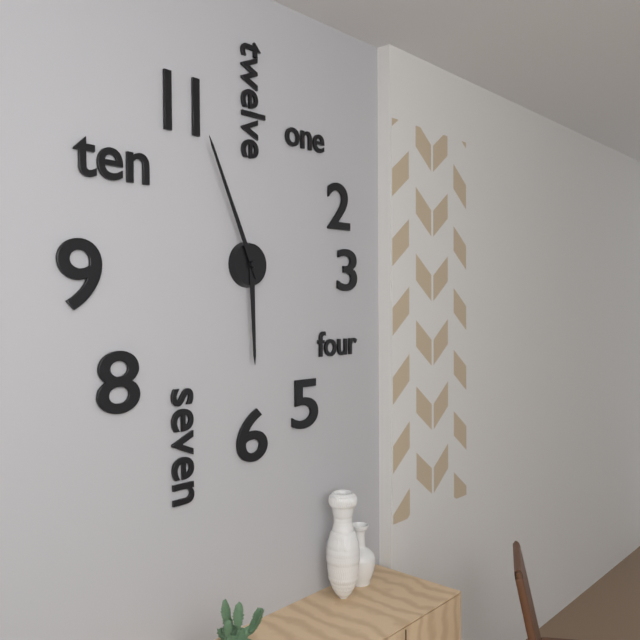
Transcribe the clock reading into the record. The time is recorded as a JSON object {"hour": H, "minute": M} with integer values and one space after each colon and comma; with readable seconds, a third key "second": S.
{"hour": 5, "minute": 56}
